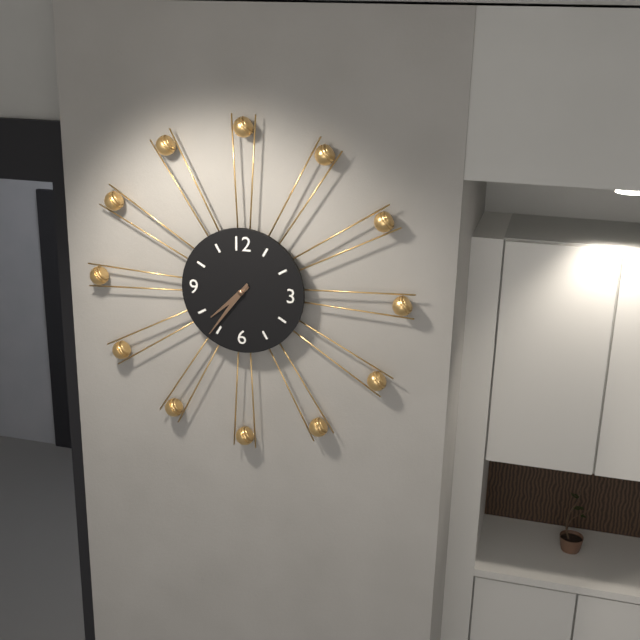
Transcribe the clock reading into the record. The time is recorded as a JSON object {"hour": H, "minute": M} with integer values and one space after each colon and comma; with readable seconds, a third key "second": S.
{"hour": 7, "minute": 36}
